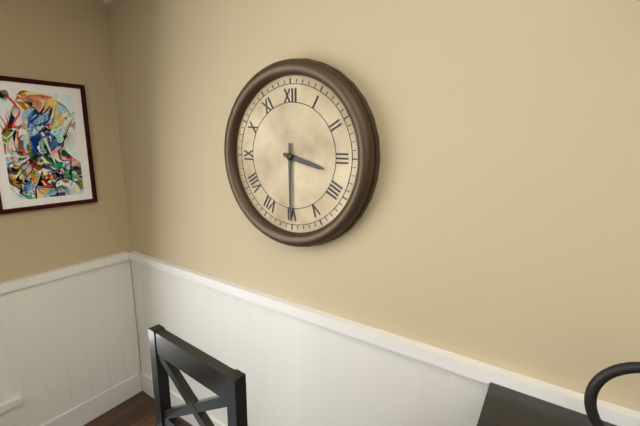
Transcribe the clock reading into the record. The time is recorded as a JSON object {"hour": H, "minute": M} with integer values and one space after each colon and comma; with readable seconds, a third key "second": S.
{"hour": 3, "minute": 30}
